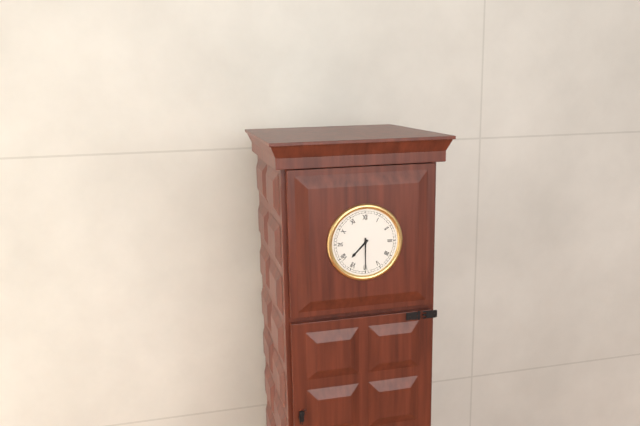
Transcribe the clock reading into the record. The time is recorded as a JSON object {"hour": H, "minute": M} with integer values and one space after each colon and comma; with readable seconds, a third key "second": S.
{"hour": 7, "minute": 30}
